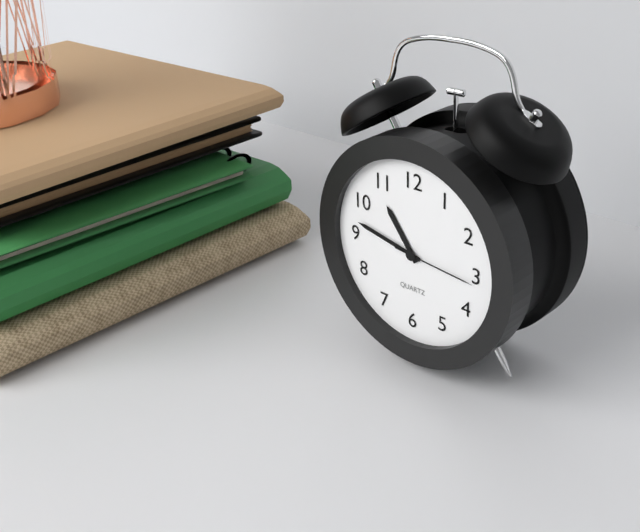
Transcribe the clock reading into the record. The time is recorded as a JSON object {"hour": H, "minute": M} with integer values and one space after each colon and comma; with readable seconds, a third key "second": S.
{"hour": 10, "minute": 47, "second": 16}
